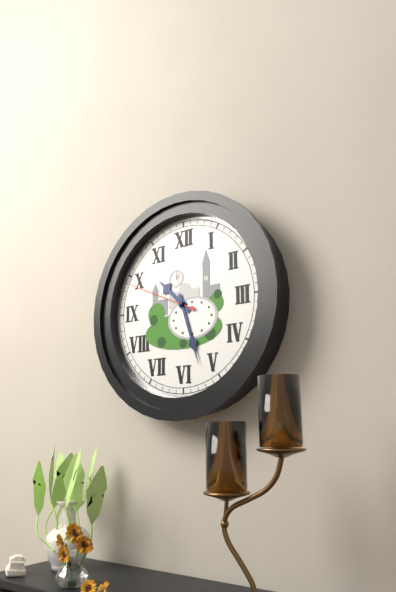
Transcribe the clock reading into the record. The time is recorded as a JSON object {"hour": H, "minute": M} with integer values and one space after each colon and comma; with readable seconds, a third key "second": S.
{"hour": 10, "minute": 27, "second": 49}
